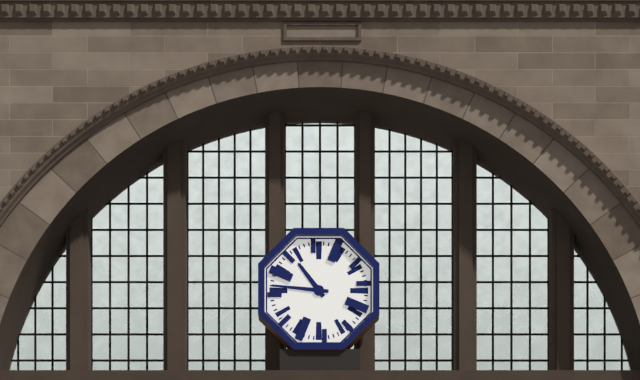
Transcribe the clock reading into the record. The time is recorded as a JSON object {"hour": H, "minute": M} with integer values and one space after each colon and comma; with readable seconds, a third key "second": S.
{"hour": 10, "minute": 46}
